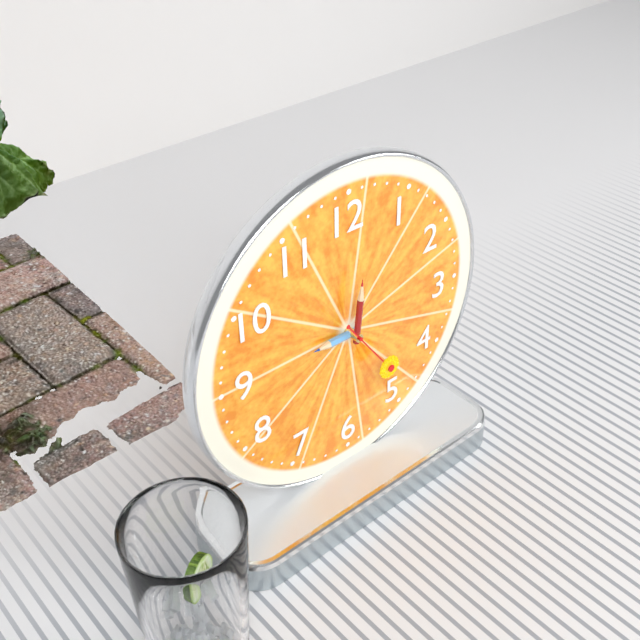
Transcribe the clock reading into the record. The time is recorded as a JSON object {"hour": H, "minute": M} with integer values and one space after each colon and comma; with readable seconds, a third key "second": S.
{"hour": 9, "minute": 1, "second": 24}
